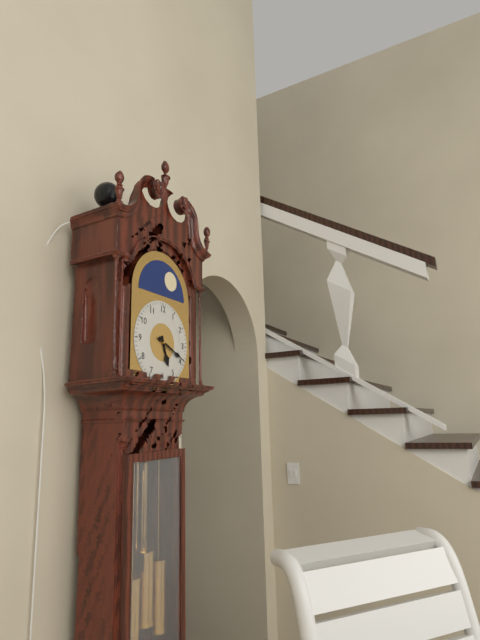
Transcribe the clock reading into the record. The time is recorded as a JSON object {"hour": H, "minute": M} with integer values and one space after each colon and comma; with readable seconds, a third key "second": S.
{"hour": 5, "minute": 19}
